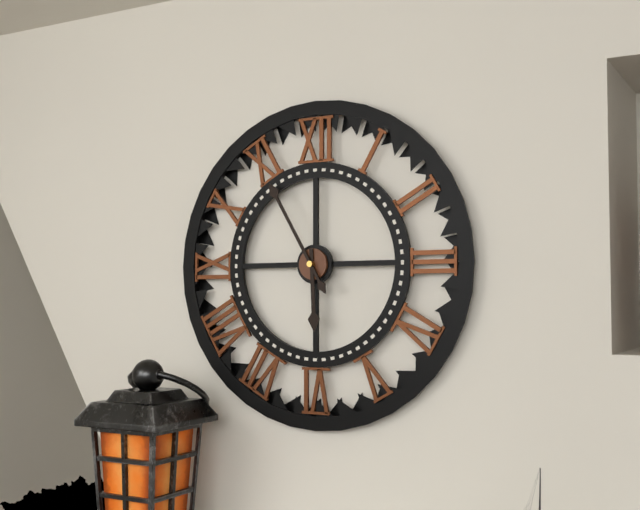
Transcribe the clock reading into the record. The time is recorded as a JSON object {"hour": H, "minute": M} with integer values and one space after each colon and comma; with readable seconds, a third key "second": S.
{"hour": 5, "minute": 55}
